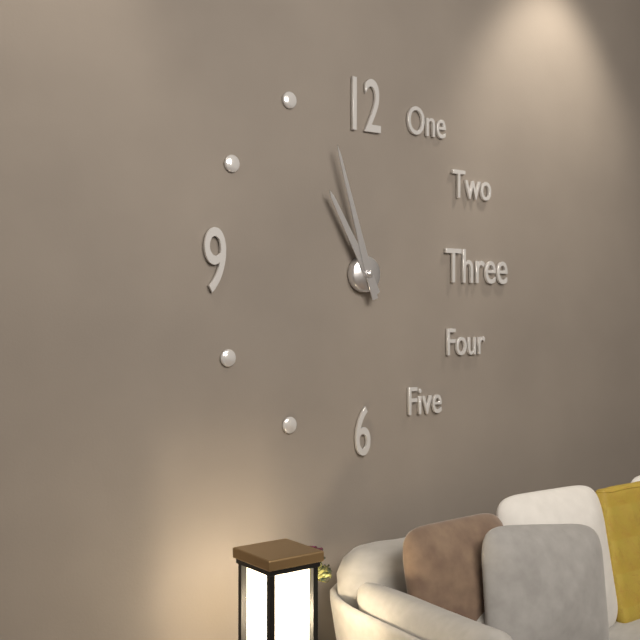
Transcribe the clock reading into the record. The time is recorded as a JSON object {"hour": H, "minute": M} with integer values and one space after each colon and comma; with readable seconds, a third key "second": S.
{"hour": 10, "minute": 57}
